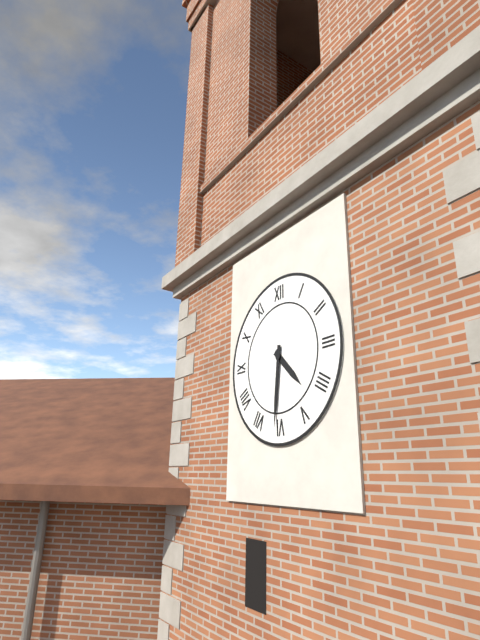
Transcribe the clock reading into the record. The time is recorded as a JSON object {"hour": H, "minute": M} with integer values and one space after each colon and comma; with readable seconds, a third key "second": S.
{"hour": 4, "minute": 31}
